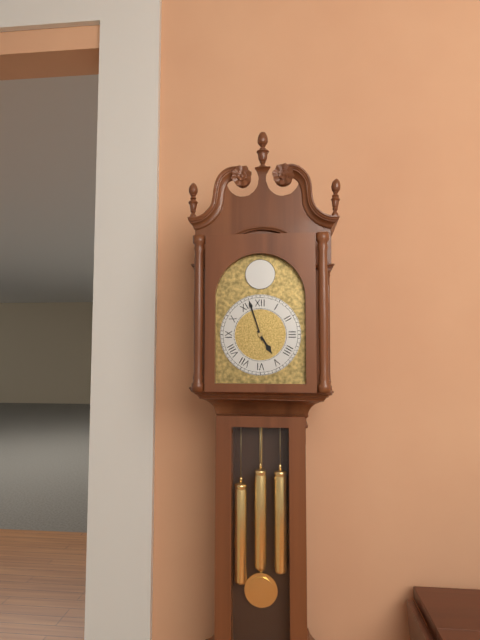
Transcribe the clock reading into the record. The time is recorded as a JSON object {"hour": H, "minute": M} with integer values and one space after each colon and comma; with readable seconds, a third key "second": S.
{"hour": 4, "minute": 57}
